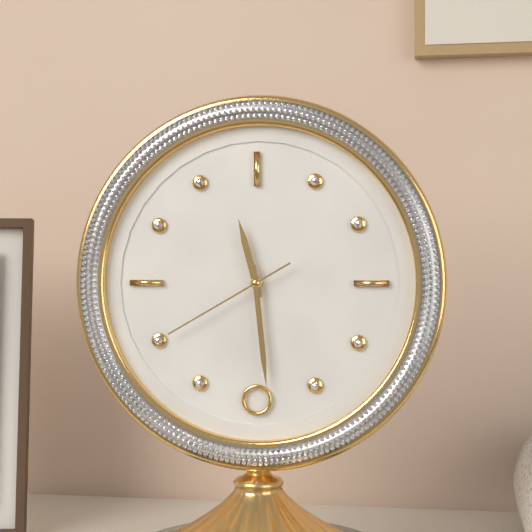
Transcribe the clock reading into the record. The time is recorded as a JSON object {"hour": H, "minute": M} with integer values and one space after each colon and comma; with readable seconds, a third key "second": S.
{"hour": 11, "minute": 29, "second": 40}
